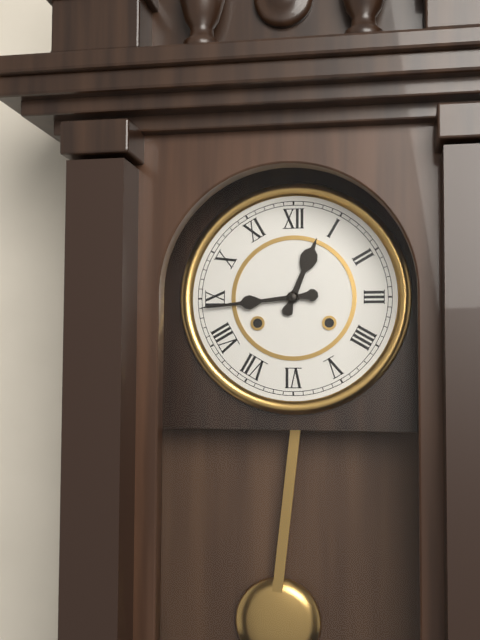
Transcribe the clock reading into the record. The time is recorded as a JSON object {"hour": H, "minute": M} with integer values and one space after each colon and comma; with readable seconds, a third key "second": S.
{"hour": 12, "minute": 44}
